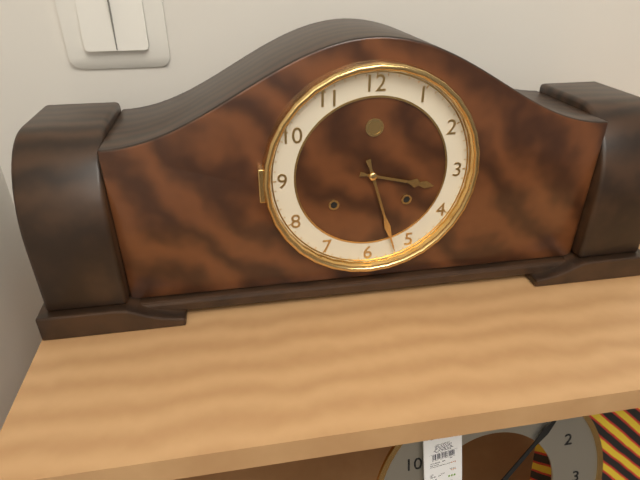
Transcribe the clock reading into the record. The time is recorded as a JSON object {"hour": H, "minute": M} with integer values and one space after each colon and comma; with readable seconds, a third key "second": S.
{"hour": 3, "minute": 27}
